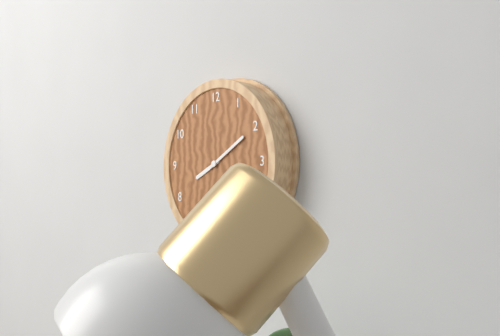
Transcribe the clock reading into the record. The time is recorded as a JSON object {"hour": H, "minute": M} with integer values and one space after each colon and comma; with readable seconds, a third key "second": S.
{"hour": 8, "minute": 10}
